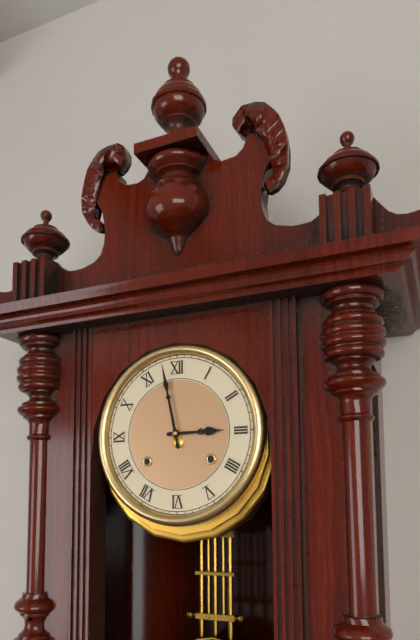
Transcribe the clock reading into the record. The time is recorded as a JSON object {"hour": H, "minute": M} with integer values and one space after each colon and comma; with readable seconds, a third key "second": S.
{"hour": 2, "minute": 58}
